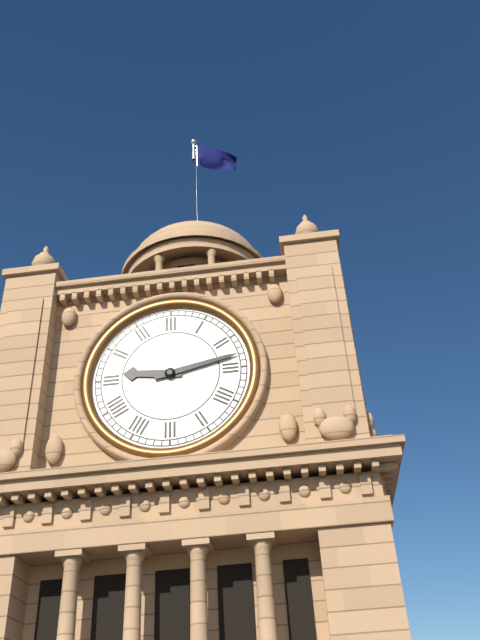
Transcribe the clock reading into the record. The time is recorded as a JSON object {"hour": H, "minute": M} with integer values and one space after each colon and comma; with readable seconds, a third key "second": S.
{"hour": 9, "minute": 13}
